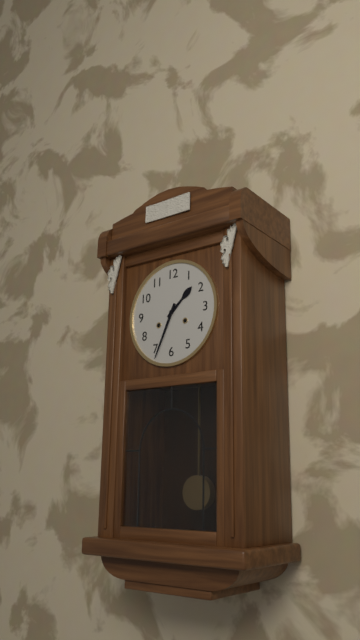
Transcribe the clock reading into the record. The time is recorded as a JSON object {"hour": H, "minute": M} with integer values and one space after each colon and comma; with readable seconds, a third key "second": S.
{"hour": 1, "minute": 34}
